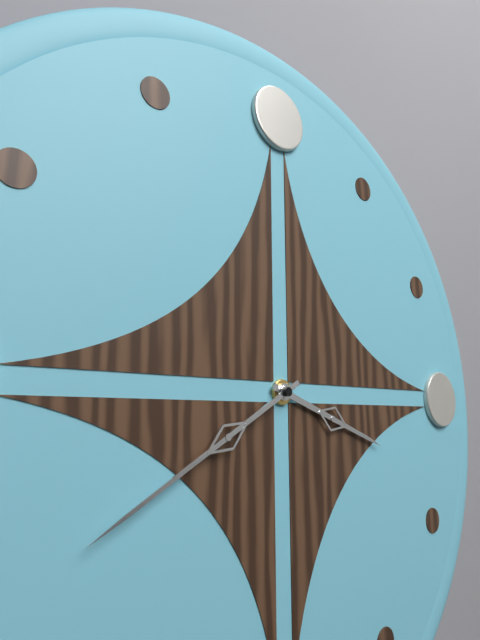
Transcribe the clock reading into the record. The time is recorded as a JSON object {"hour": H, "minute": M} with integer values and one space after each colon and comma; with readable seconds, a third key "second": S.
{"hour": 3, "minute": 40}
